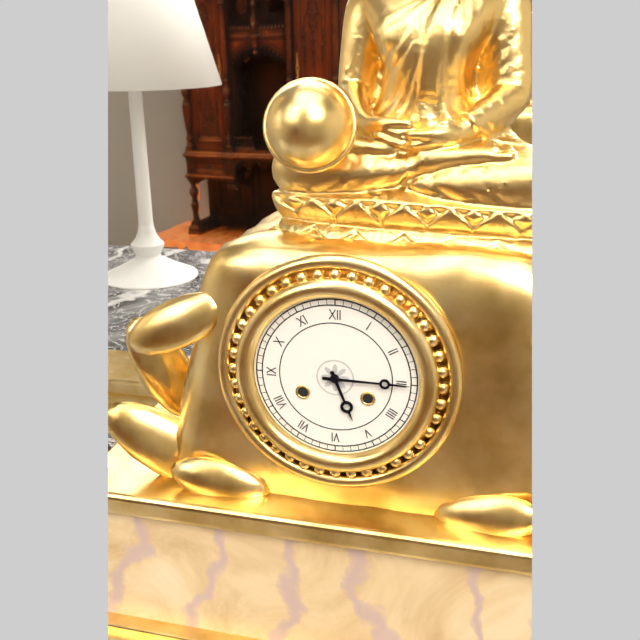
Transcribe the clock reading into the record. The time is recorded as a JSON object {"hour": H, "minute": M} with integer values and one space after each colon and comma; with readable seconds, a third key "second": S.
{"hour": 5, "minute": 15}
